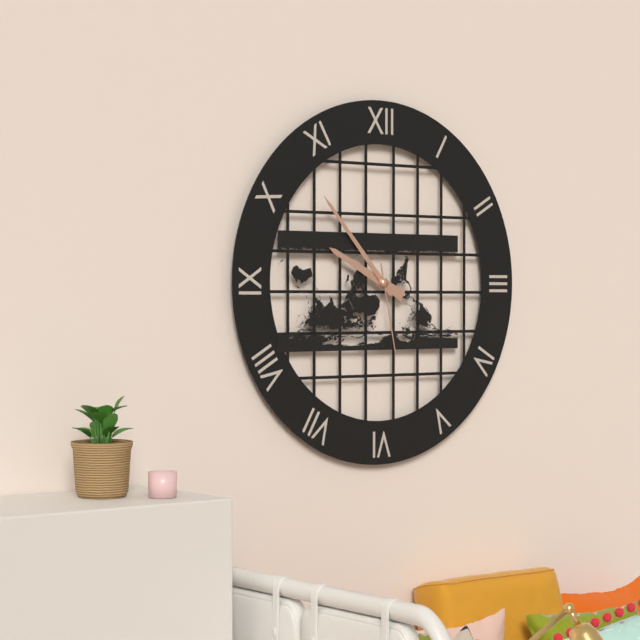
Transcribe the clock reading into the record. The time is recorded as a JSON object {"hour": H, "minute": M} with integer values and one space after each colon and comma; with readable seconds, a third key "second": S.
{"hour": 9, "minute": 53, "second": 28}
